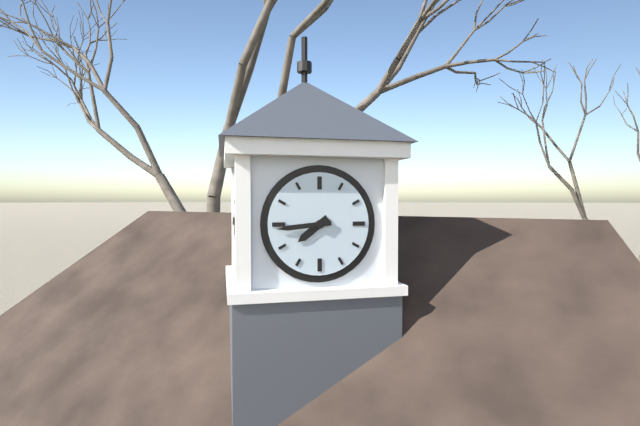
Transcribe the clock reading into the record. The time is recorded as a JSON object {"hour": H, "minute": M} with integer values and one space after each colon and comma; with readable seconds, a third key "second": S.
{"hour": 7, "minute": 44}
